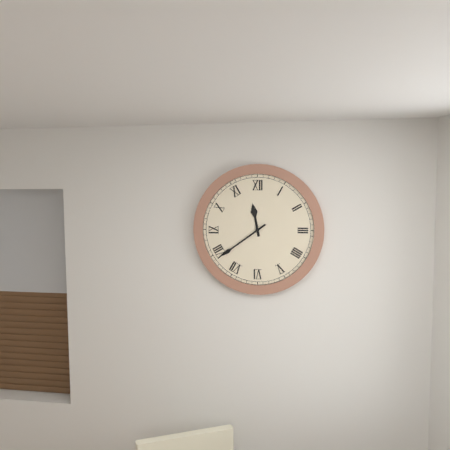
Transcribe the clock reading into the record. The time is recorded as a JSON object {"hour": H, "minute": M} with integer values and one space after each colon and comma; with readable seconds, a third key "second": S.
{"hour": 11, "minute": 39}
